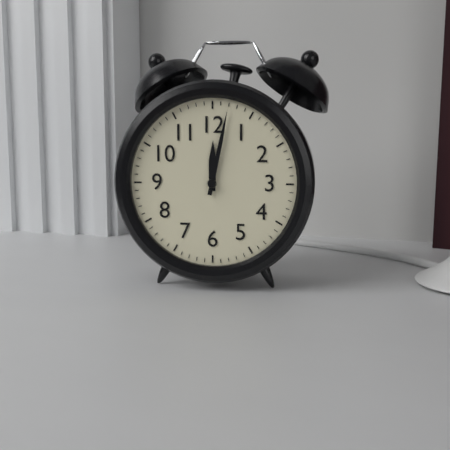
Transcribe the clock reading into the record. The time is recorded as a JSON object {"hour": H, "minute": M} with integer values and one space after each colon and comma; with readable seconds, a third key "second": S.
{"hour": 12, "minute": 2}
